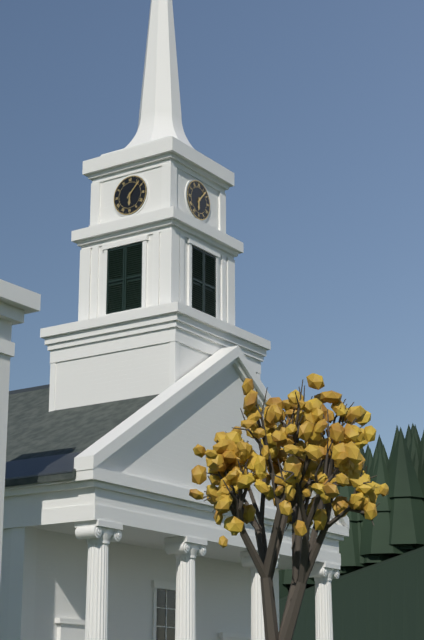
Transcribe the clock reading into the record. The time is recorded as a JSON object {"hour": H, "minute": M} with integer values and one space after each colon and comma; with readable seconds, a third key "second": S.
{"hour": 6, "minute": 7}
